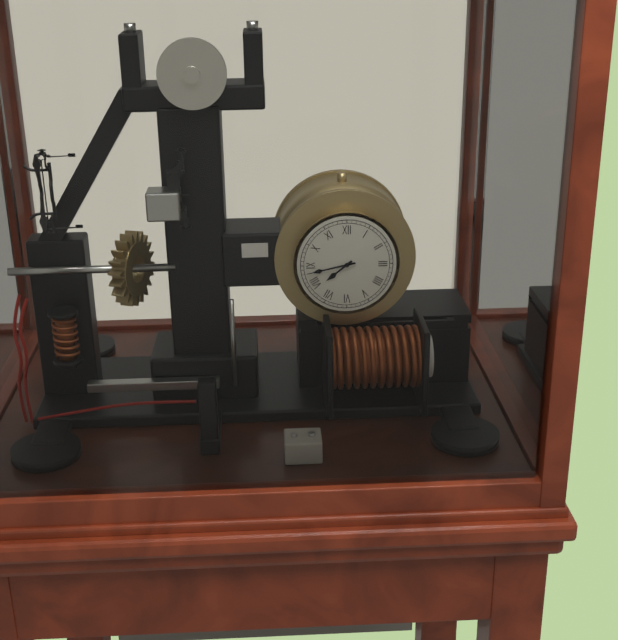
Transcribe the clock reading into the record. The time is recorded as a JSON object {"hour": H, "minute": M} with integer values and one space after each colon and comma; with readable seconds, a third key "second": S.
{"hour": 7, "minute": 43}
